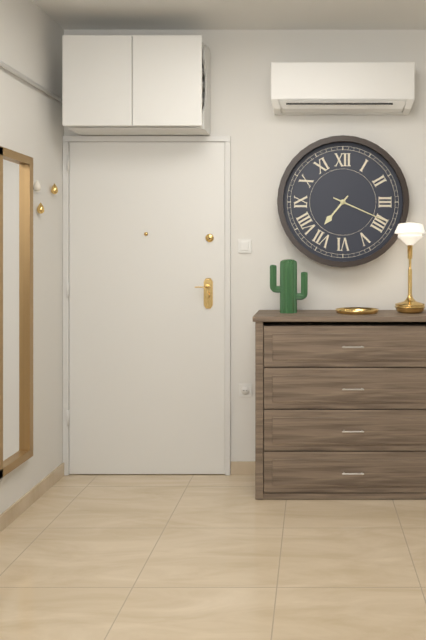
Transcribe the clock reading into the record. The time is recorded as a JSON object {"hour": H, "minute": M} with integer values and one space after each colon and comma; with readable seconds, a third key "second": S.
{"hour": 7, "minute": 19}
